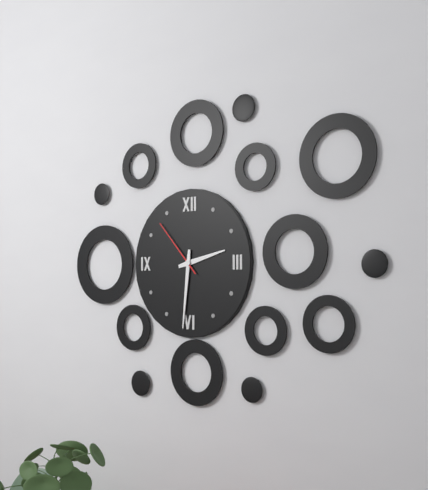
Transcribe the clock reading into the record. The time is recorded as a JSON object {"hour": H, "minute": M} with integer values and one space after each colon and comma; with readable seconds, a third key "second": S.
{"hour": 2, "minute": 31, "second": 53}
